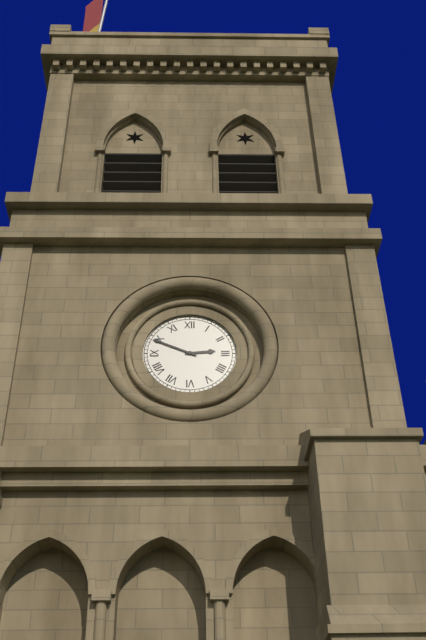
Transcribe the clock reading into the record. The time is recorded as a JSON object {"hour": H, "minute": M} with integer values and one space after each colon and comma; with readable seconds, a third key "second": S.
{"hour": 2, "minute": 49}
